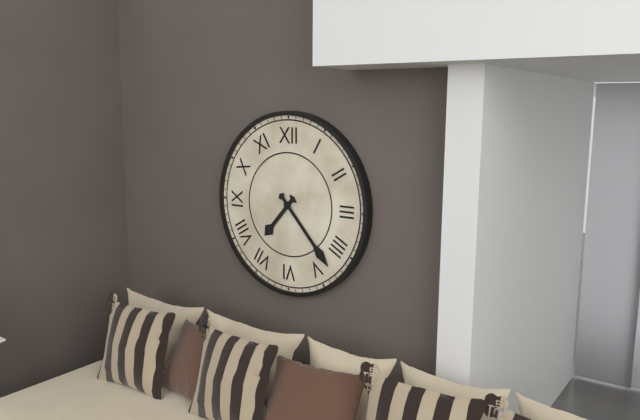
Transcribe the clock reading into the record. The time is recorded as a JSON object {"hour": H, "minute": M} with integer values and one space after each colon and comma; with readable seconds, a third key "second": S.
{"hour": 7, "minute": 23}
